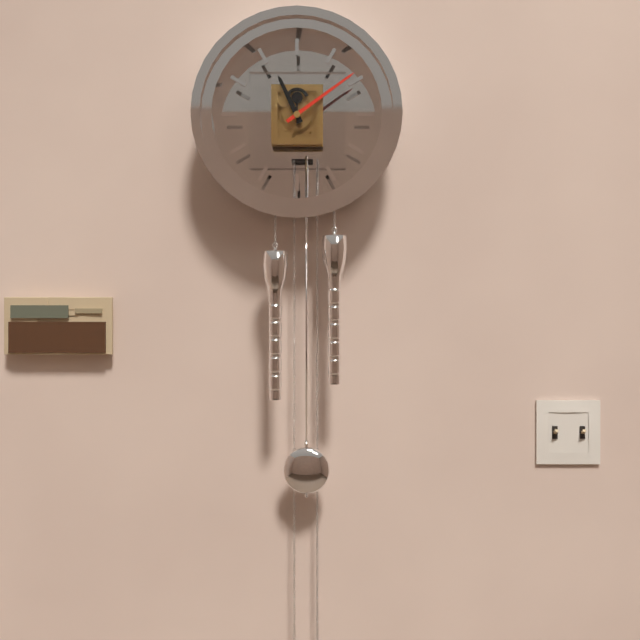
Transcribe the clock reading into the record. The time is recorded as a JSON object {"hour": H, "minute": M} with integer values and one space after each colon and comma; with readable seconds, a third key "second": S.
{"hour": 11, "minute": 9}
